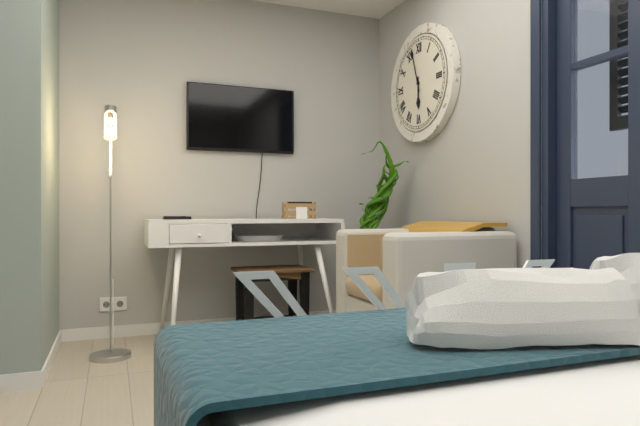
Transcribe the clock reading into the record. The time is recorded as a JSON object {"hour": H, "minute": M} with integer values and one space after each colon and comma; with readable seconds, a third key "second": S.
{"hour": 5, "minute": 57}
